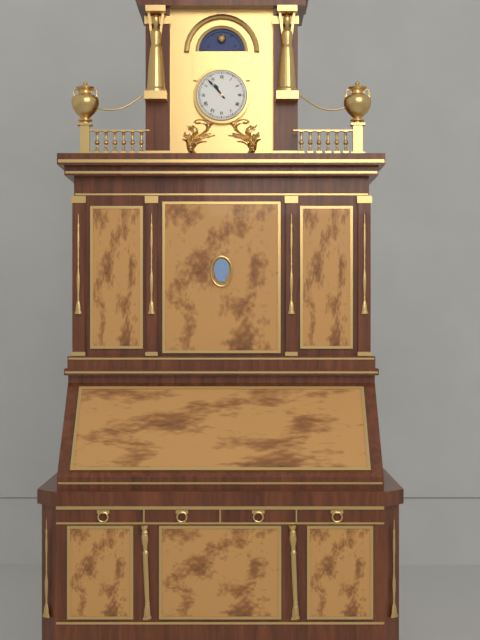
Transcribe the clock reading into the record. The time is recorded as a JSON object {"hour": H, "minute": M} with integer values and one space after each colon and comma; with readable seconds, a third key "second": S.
{"hour": 10, "minute": 53}
